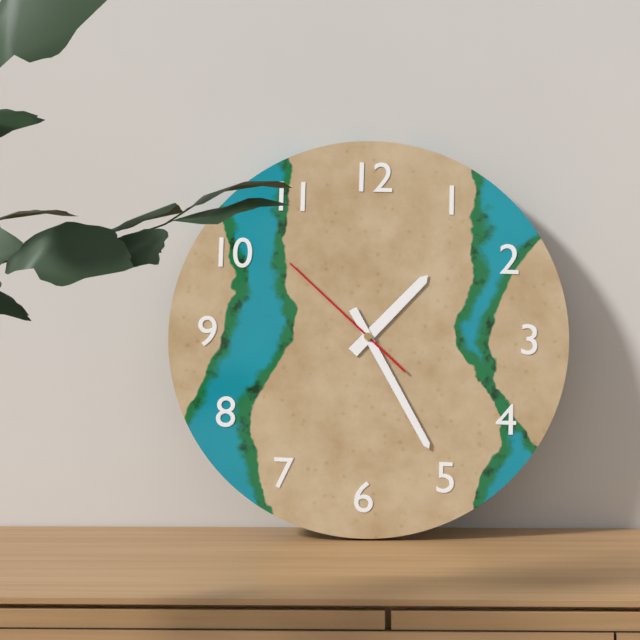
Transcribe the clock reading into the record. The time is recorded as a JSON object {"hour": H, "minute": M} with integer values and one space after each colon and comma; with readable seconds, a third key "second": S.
{"hour": 1, "minute": 25, "second": 52}
